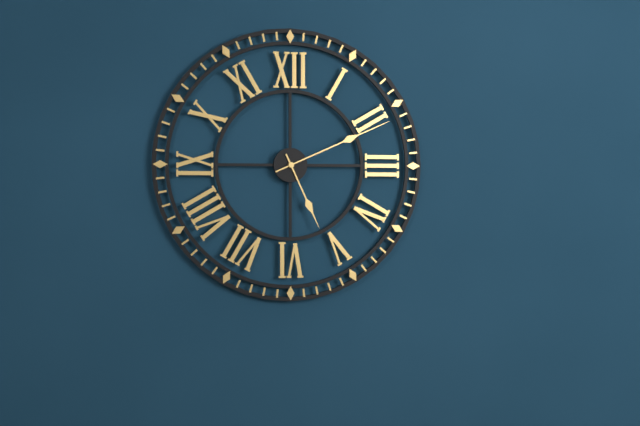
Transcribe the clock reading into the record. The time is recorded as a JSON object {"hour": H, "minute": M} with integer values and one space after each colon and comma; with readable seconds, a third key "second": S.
{"hour": 5, "minute": 11}
